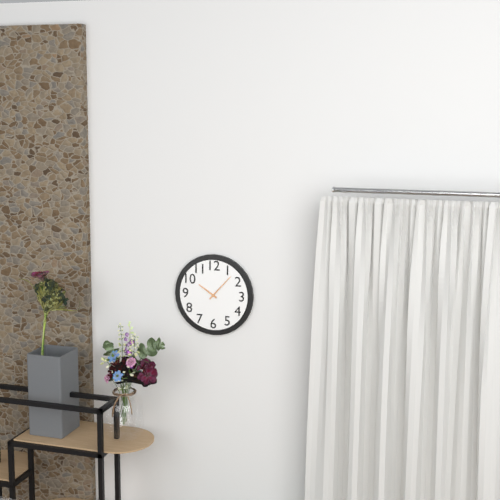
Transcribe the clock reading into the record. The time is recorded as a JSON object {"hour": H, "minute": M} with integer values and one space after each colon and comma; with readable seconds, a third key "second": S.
{"hour": 10, "minute": 7}
